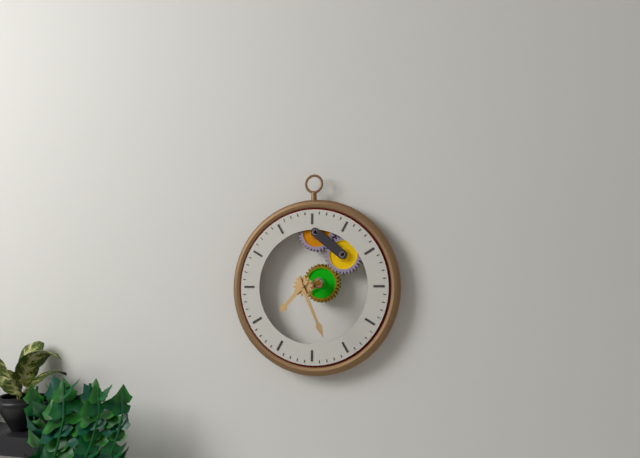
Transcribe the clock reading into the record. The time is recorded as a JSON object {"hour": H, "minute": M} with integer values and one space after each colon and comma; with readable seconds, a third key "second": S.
{"hour": 7, "minute": 26}
